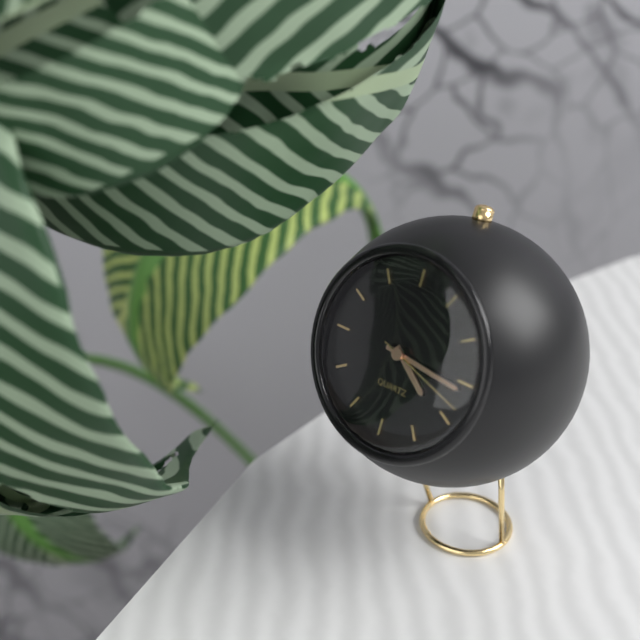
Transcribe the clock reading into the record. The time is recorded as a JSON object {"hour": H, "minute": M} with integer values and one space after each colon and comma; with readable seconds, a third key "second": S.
{"hour": 4, "minute": 16, "second": 18}
